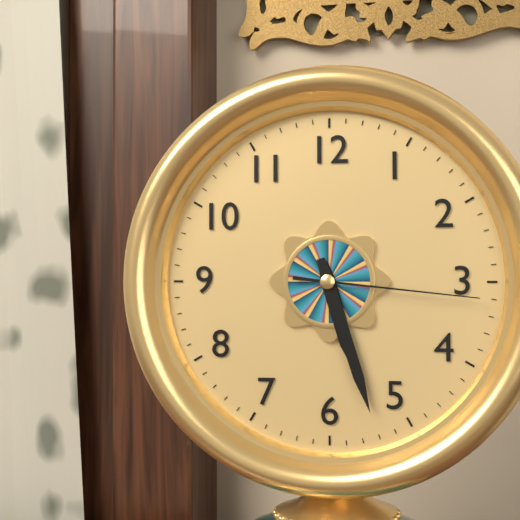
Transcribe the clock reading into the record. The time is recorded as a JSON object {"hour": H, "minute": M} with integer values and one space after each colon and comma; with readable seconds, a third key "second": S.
{"hour": 5, "minute": 27, "second": 16}
